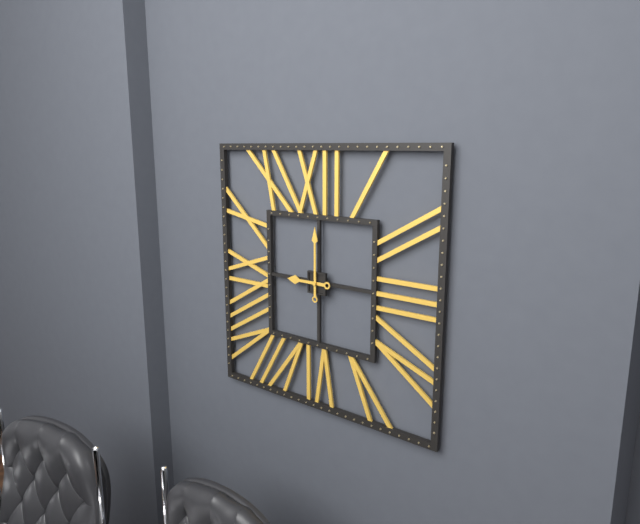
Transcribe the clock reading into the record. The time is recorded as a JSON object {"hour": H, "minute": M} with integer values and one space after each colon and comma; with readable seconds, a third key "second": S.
{"hour": 9, "minute": 0}
